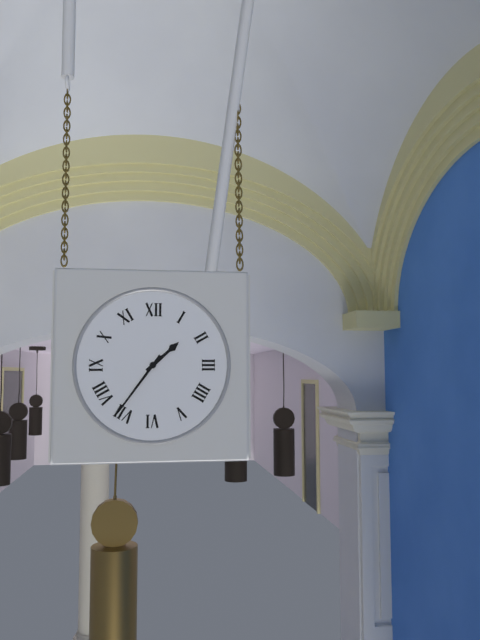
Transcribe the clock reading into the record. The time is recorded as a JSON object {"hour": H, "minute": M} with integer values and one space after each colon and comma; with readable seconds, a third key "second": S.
{"hour": 1, "minute": 36}
